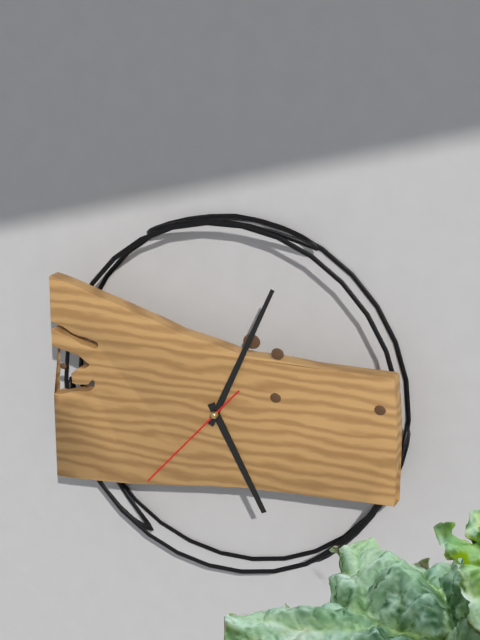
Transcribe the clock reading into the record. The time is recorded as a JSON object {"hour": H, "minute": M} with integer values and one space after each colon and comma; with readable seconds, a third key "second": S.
{"hour": 5, "minute": 4, "second": 37}
